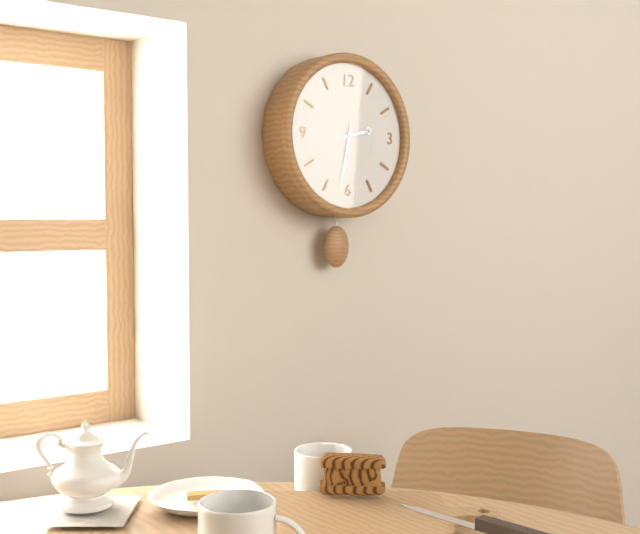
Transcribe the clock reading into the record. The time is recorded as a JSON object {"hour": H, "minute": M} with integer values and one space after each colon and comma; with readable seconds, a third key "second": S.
{"hour": 2, "minute": 32}
